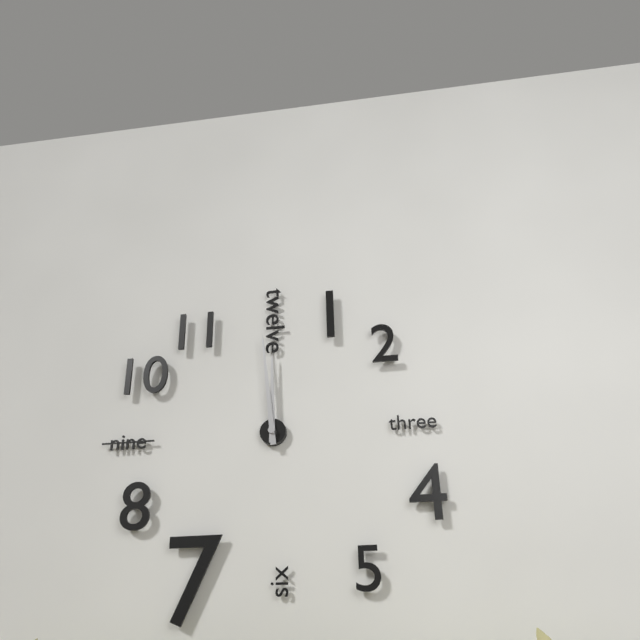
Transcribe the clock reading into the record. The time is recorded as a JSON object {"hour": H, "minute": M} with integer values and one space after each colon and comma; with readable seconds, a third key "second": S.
{"hour": 11, "minute": 59}
